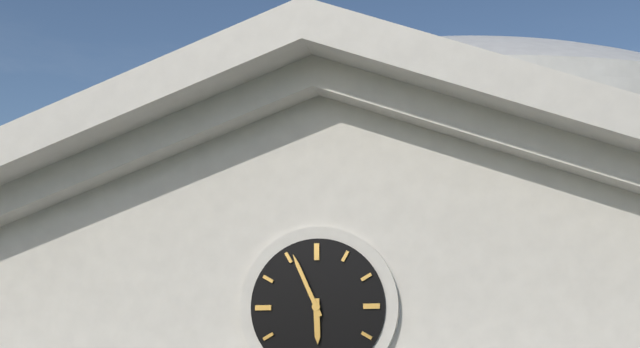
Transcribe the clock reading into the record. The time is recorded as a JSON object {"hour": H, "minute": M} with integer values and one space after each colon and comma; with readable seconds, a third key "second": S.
{"hour": 5, "minute": 56}
